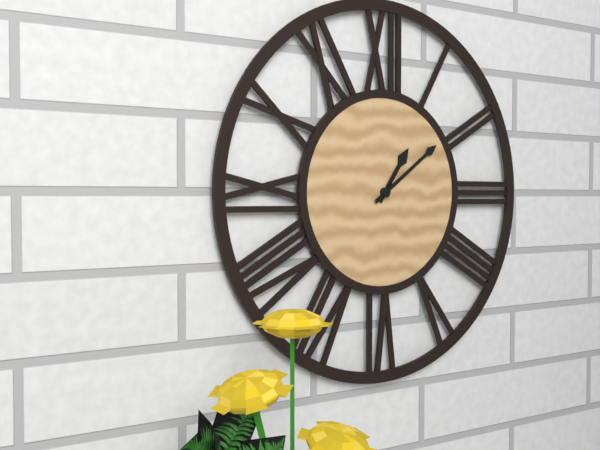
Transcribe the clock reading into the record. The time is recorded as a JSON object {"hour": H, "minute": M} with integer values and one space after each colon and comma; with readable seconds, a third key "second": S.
{"hour": 1, "minute": 9}
